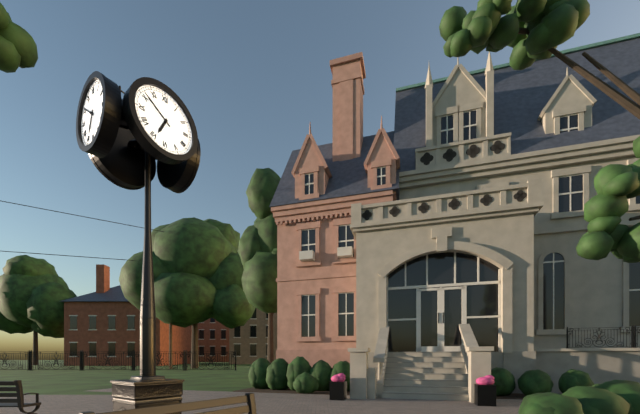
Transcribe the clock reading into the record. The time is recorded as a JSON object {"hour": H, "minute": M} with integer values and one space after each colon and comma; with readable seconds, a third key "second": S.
{"hour": 6, "minute": 51}
